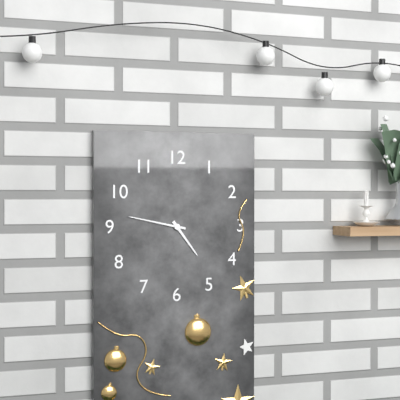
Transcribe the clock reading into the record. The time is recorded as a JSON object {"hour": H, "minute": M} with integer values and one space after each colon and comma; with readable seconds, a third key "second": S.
{"hour": 4, "minute": 47}
